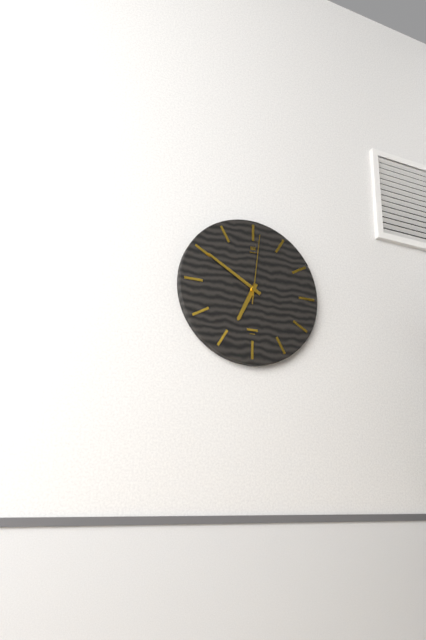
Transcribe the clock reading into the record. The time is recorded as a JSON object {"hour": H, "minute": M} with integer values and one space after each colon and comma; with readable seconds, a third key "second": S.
{"hour": 6, "minute": 50, "second": 1}
